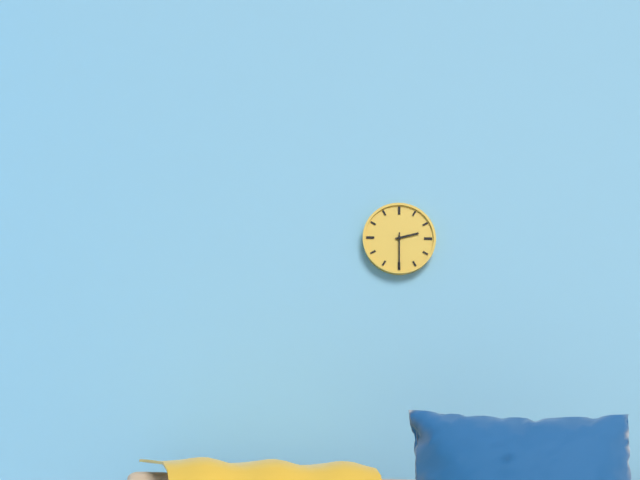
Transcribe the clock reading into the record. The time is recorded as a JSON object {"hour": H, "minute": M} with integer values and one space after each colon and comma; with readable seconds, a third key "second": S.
{"hour": 2, "minute": 30}
